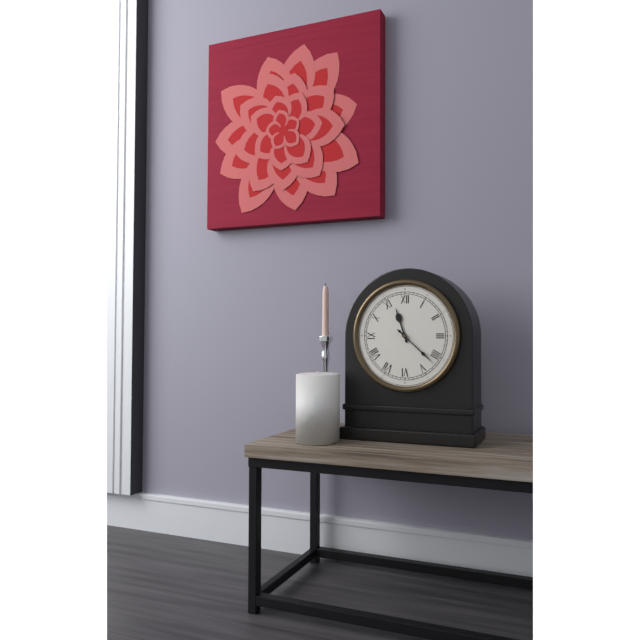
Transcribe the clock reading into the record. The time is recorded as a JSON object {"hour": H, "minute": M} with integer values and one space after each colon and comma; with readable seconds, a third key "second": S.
{"hour": 11, "minute": 22}
